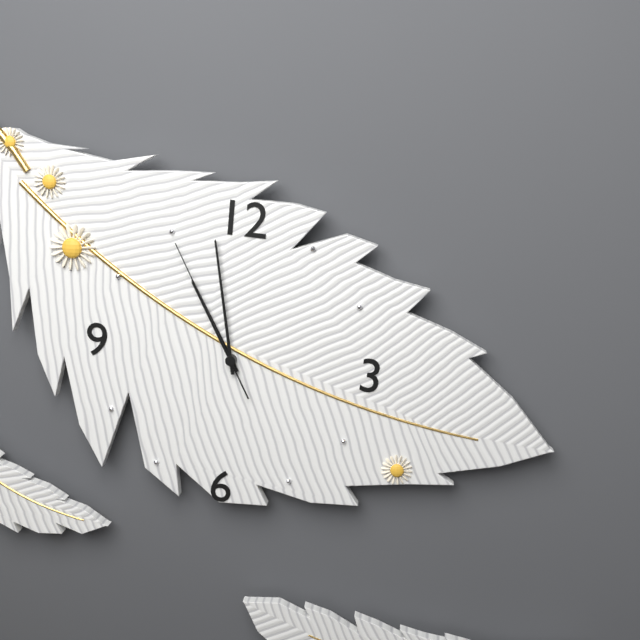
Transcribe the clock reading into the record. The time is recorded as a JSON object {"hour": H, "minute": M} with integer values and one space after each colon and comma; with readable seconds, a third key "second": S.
{"hour": 10, "minute": 58, "second": 55}
